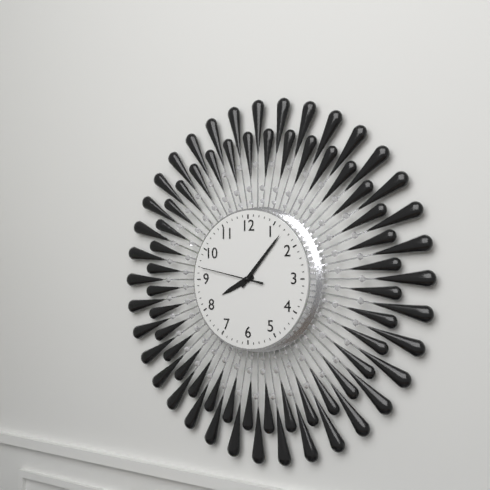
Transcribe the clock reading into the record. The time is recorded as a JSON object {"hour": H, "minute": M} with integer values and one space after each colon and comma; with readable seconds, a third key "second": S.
{"hour": 8, "minute": 7, "second": 47}
